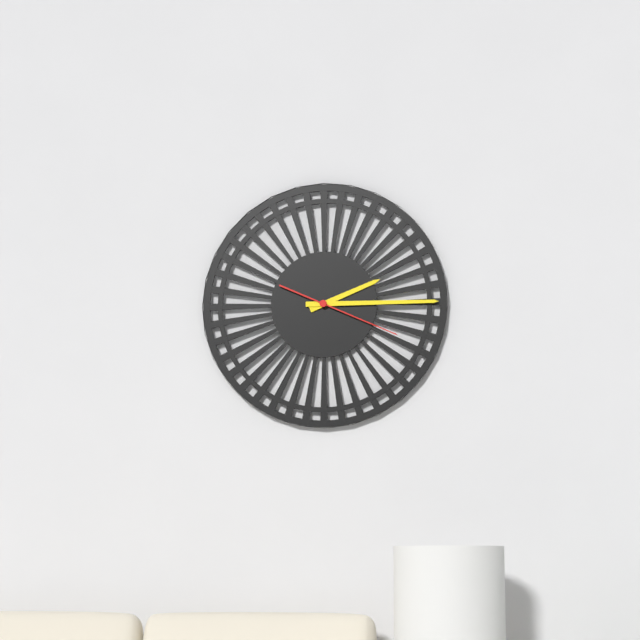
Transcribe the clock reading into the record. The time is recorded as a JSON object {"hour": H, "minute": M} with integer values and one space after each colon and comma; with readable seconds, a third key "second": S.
{"hour": 2, "minute": 15, "second": 19}
